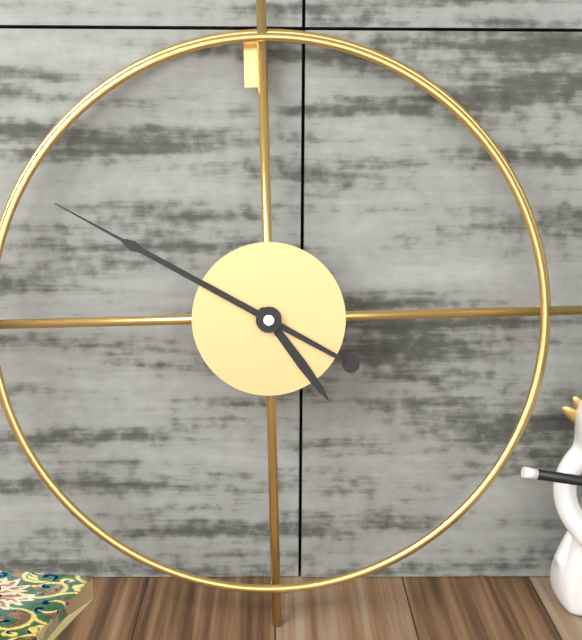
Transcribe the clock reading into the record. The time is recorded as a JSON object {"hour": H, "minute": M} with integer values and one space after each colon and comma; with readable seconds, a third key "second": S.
{"hour": 4, "minute": 50}
